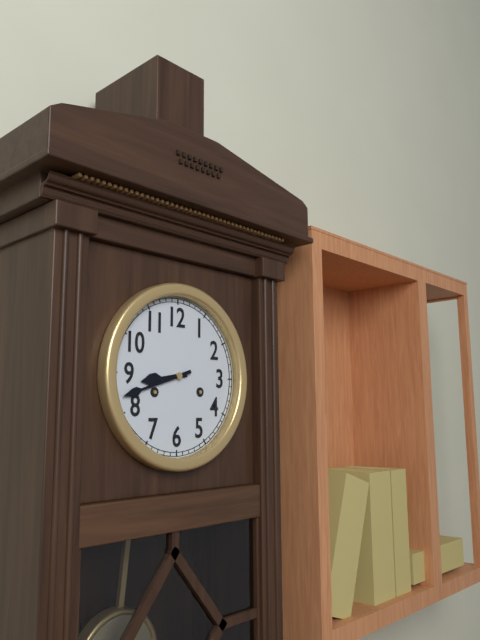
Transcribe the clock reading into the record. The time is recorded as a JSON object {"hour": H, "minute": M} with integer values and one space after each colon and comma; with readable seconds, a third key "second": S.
{"hour": 8, "minute": 42}
